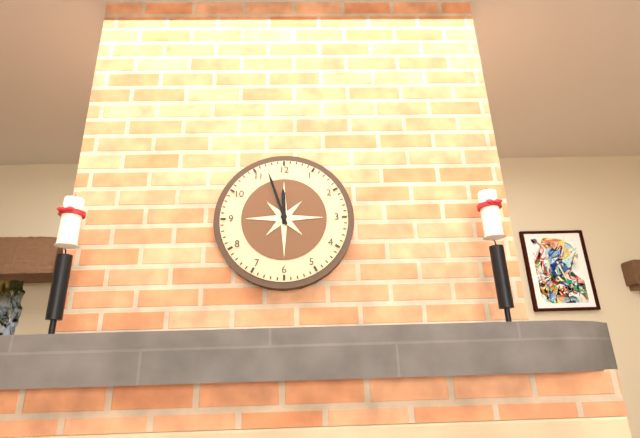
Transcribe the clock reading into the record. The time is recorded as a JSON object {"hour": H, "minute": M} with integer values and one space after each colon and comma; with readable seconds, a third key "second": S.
{"hour": 11, "minute": 57}
